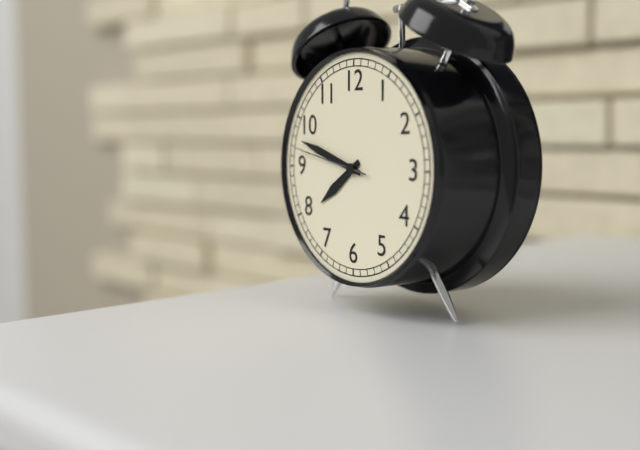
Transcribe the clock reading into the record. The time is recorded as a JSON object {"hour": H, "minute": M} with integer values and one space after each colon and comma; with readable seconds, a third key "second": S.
{"hour": 7, "minute": 48, "second": 47}
